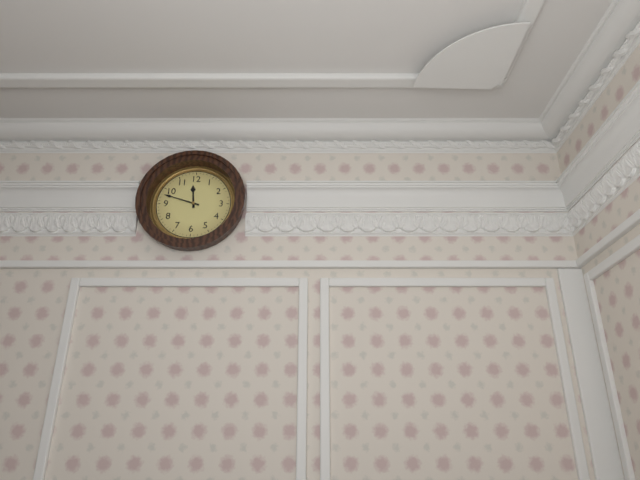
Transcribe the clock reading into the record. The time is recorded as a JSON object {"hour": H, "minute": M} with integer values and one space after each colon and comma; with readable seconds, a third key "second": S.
{"hour": 11, "minute": 48}
